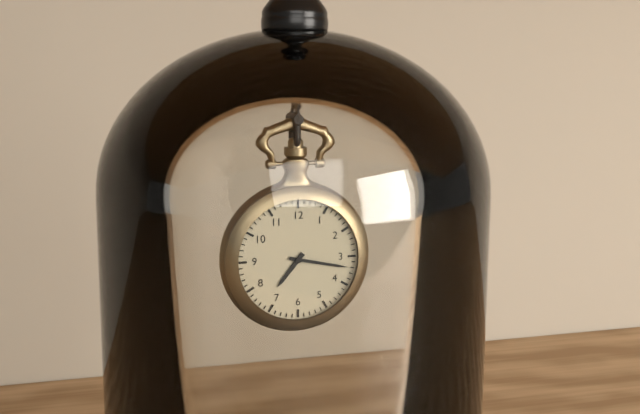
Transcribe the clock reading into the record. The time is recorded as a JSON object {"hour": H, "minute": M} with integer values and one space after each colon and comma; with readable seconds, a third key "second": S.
{"hour": 7, "minute": 17}
